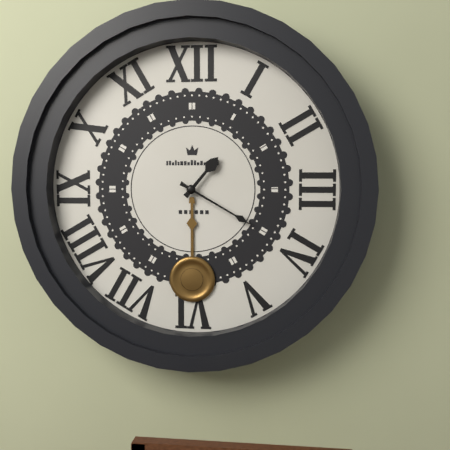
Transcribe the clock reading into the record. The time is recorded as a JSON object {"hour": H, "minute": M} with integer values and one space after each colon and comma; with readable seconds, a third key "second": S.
{"hour": 1, "minute": 20}
